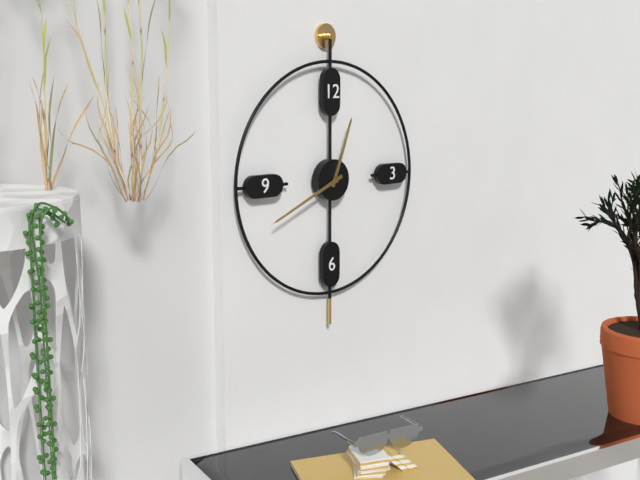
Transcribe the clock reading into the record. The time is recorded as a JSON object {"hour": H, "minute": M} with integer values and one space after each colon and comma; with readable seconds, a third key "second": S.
{"hour": 12, "minute": 41}
